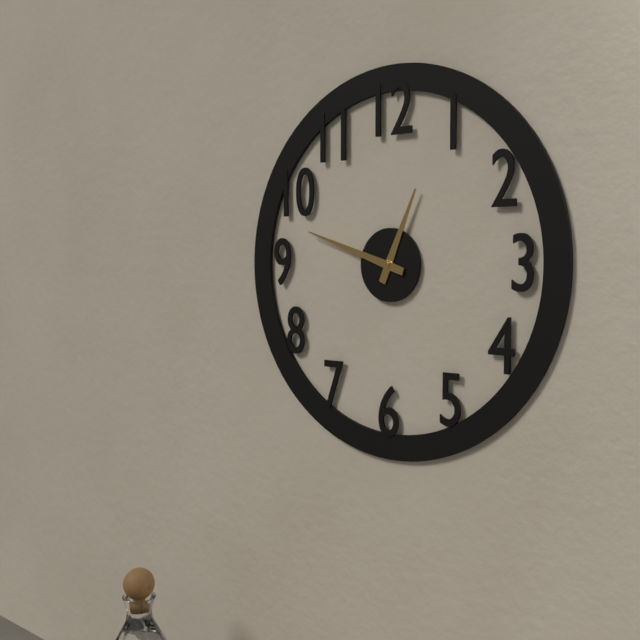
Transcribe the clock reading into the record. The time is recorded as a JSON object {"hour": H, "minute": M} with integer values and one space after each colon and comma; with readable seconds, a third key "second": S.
{"hour": 12, "minute": 48}
